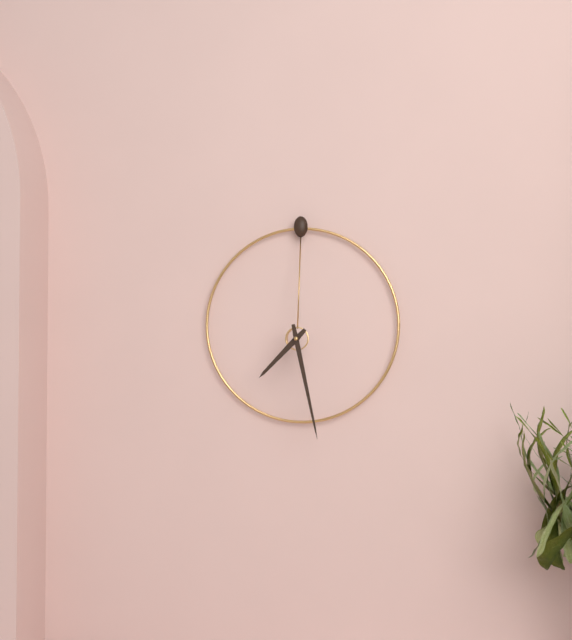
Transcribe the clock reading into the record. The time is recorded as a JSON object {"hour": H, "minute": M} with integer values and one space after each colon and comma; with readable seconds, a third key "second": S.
{"hour": 7, "minute": 28}
